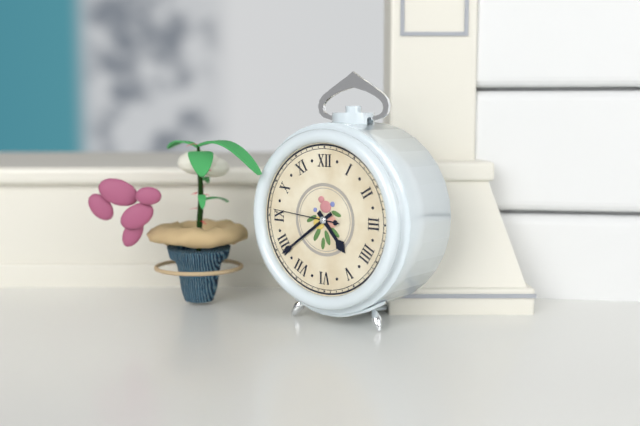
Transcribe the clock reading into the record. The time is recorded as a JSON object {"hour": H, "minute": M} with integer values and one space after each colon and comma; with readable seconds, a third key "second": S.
{"hour": 4, "minute": 39, "second": 46}
